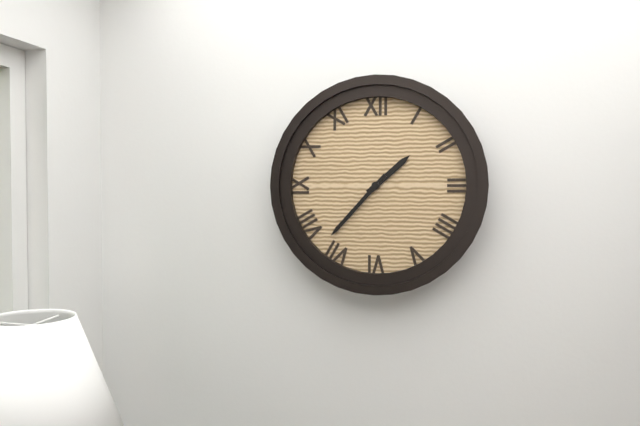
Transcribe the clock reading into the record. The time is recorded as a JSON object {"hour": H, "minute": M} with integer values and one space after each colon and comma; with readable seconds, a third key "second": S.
{"hour": 1, "minute": 37}
